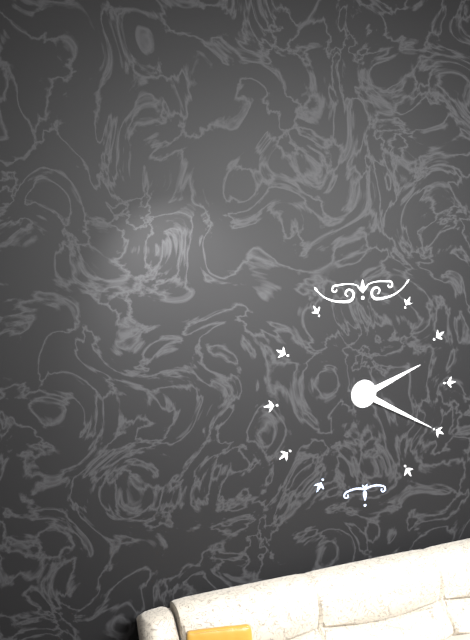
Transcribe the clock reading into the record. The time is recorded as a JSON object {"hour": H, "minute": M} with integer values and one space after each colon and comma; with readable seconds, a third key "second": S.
{"hour": 2, "minute": 20}
